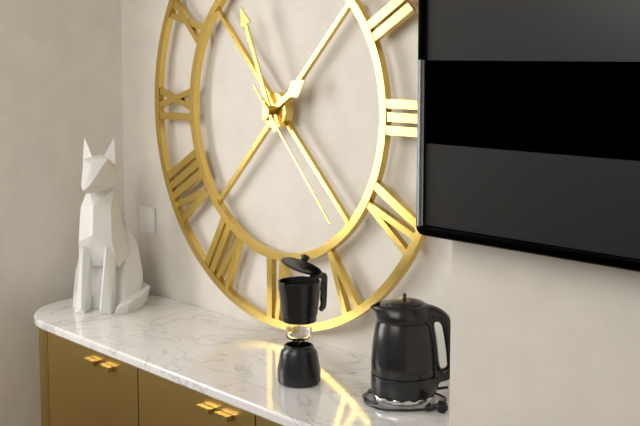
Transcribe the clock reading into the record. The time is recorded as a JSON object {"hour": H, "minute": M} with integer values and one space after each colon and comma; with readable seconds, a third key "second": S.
{"hour": 1, "minute": 56, "second": 23}
